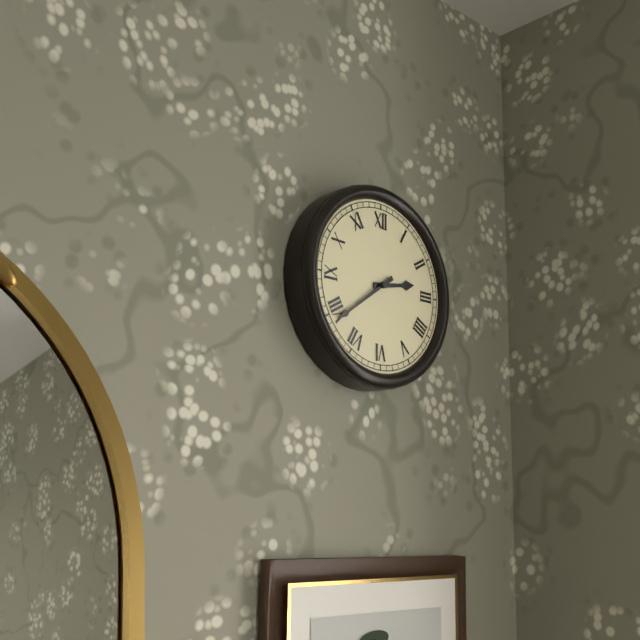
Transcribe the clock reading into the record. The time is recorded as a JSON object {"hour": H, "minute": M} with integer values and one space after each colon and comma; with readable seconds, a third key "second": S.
{"hour": 2, "minute": 39}
